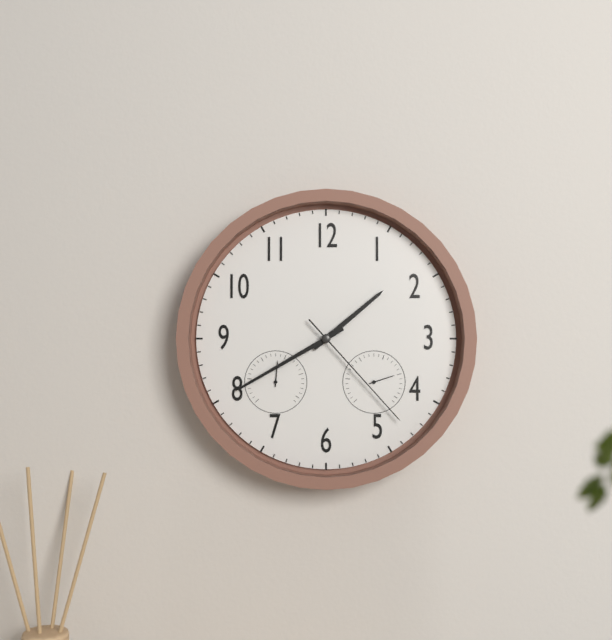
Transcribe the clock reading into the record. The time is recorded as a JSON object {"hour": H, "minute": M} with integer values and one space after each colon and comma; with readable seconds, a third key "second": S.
{"hour": 1, "minute": 40, "second": 23}
